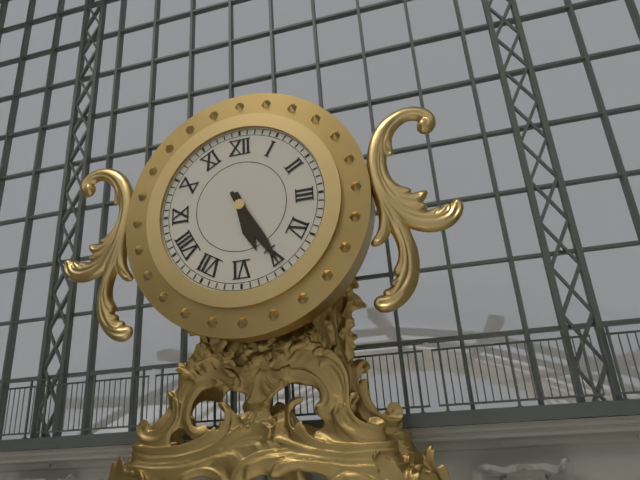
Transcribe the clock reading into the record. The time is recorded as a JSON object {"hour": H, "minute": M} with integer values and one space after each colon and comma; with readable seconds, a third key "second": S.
{"hour": 5, "minute": 25}
